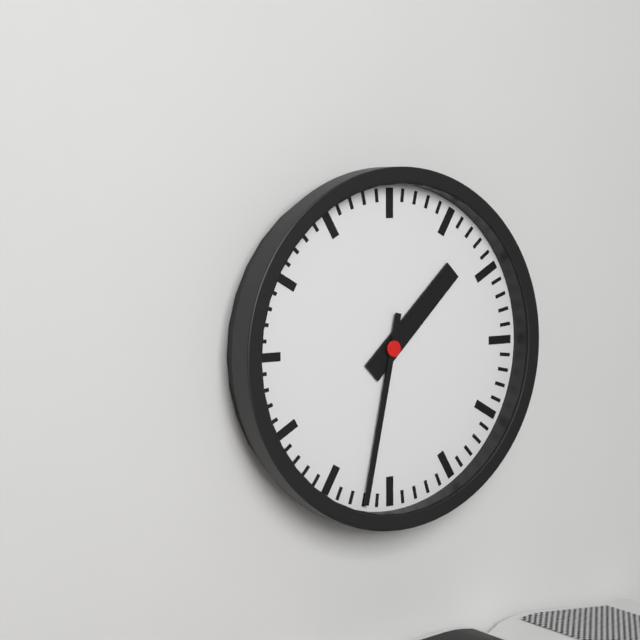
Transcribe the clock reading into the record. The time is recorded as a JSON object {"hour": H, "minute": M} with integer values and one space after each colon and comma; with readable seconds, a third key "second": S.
{"hour": 1, "minute": 32}
